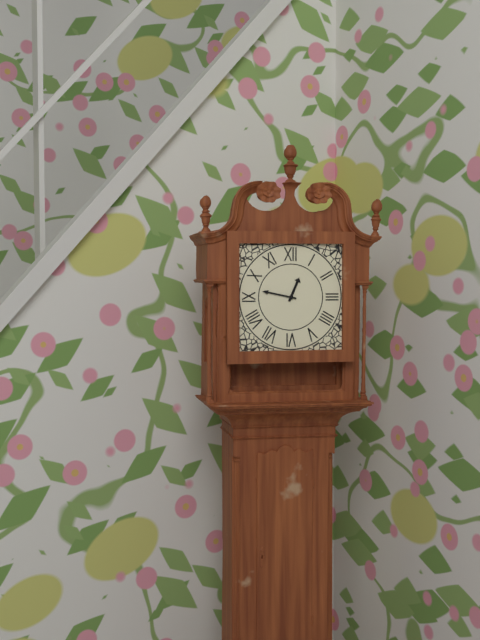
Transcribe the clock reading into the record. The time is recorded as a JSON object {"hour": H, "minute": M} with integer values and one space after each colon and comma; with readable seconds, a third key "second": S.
{"hour": 12, "minute": 47}
